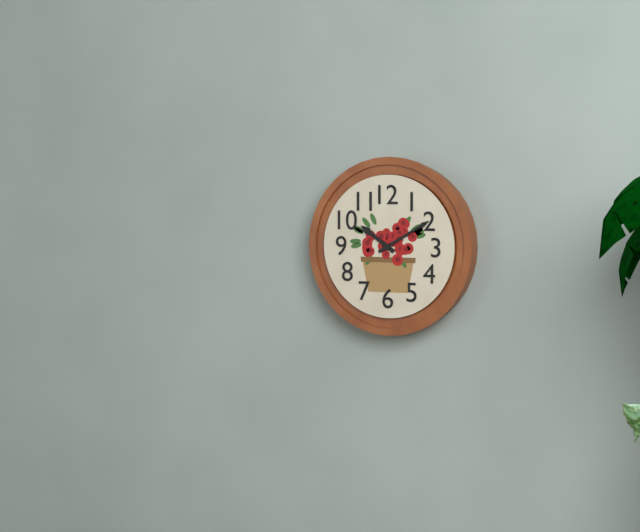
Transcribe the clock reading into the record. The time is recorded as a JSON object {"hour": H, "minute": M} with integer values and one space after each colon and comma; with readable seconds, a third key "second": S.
{"hour": 10, "minute": 10}
